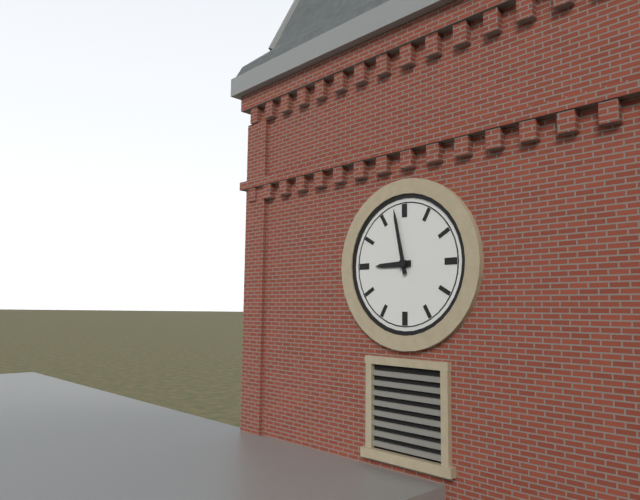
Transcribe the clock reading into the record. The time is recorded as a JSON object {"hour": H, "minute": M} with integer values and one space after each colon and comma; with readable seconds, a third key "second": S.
{"hour": 8, "minute": 58}
